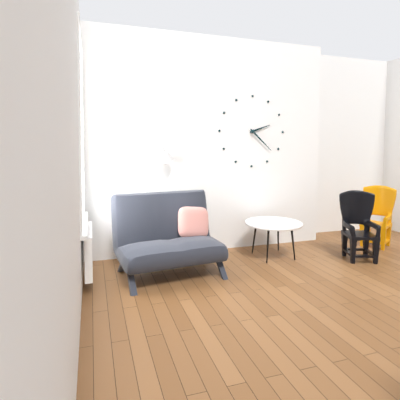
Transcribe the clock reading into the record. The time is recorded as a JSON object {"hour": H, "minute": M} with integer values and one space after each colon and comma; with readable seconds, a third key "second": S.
{"hour": 2, "minute": 22}
